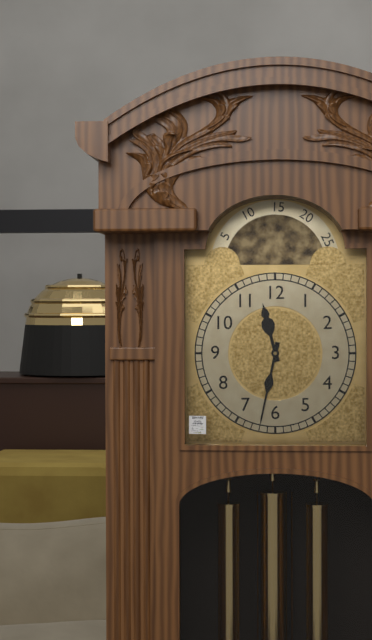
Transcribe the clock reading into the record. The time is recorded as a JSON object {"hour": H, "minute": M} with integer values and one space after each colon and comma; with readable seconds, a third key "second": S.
{"hour": 11, "minute": 32}
